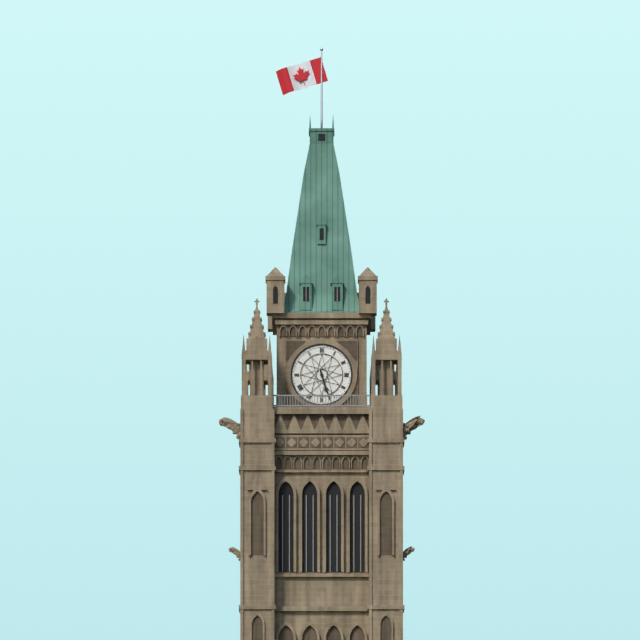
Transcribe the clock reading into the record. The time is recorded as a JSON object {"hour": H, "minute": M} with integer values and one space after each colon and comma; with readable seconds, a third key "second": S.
{"hour": 5, "minute": 27}
